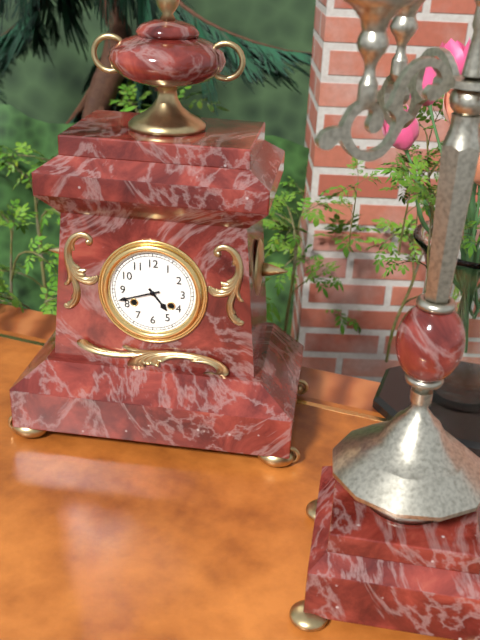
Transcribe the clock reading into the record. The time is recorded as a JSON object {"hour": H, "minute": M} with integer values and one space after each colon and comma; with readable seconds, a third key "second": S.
{"hour": 4, "minute": 42}
